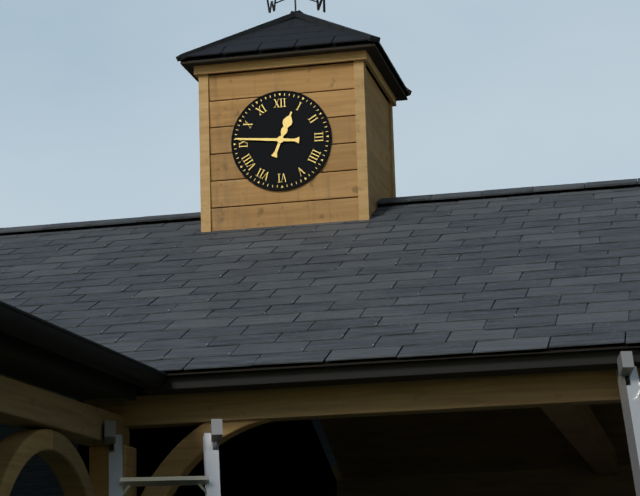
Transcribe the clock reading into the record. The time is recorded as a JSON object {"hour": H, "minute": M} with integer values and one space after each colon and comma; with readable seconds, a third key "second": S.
{"hour": 12, "minute": 46}
